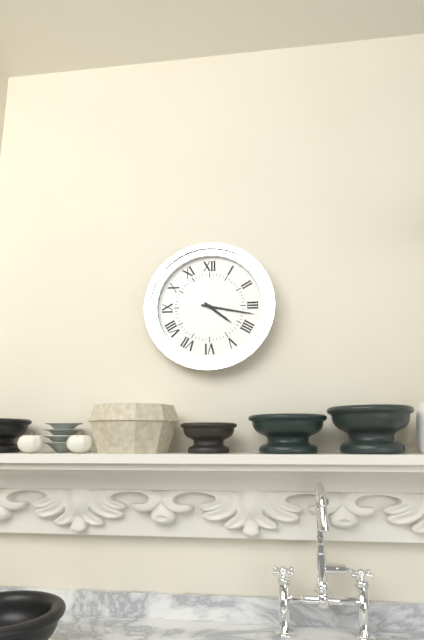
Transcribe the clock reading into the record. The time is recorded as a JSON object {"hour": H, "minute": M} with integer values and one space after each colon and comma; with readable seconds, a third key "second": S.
{"hour": 4, "minute": 17}
